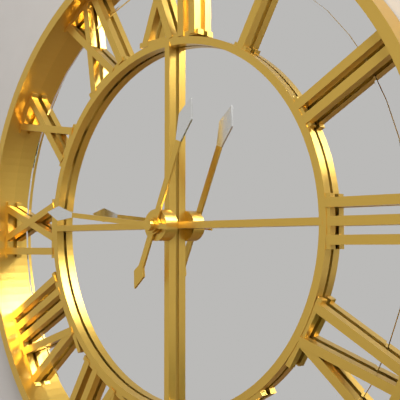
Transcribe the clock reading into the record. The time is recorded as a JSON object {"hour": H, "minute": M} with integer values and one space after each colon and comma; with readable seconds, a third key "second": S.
{"hour": 12, "minute": 46}
